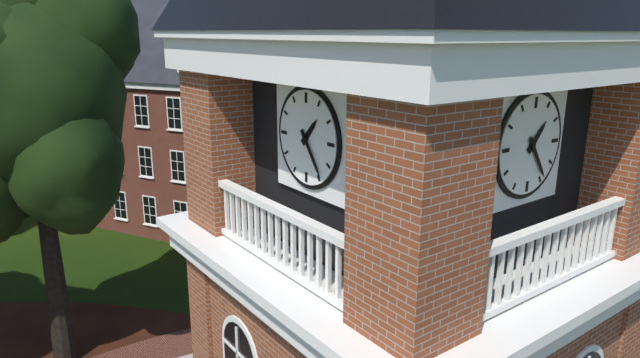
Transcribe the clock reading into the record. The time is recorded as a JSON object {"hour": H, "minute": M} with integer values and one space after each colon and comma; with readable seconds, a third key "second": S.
{"hour": 1, "minute": 24}
